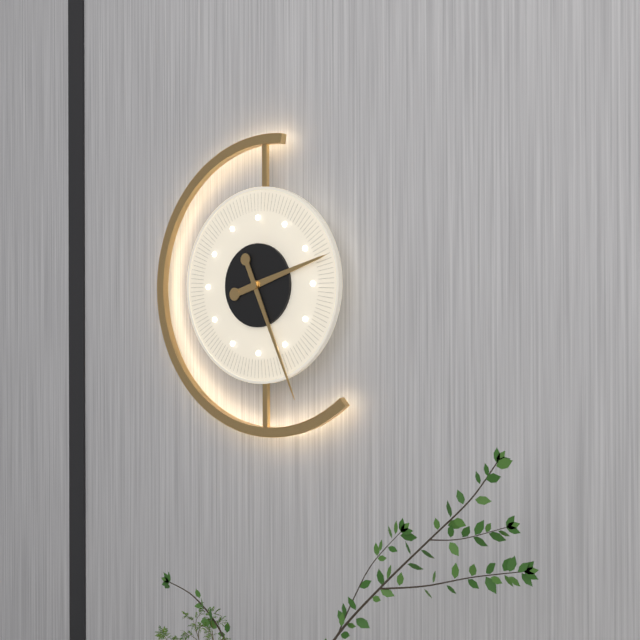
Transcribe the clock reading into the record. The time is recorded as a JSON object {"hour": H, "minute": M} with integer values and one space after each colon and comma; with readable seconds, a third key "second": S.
{"hour": 2, "minute": 26}
